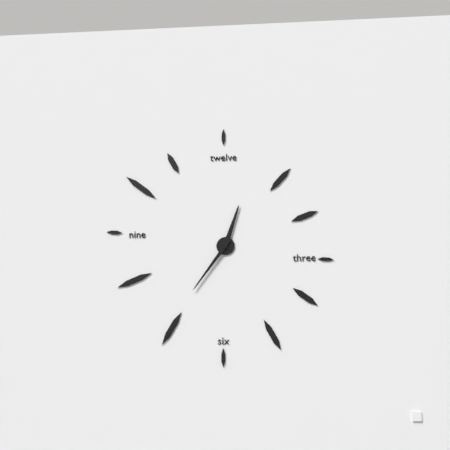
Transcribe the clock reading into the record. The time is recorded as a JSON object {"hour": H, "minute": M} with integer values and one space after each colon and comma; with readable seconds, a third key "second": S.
{"hour": 12, "minute": 36}
